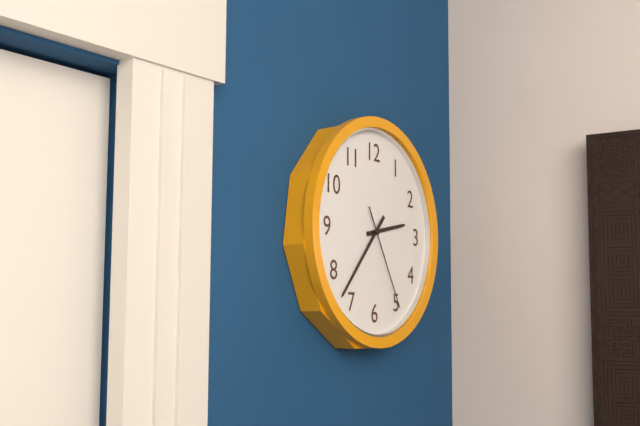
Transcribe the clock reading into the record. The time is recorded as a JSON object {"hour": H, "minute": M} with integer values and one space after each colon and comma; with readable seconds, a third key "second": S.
{"hour": 2, "minute": 37, "second": 25}
